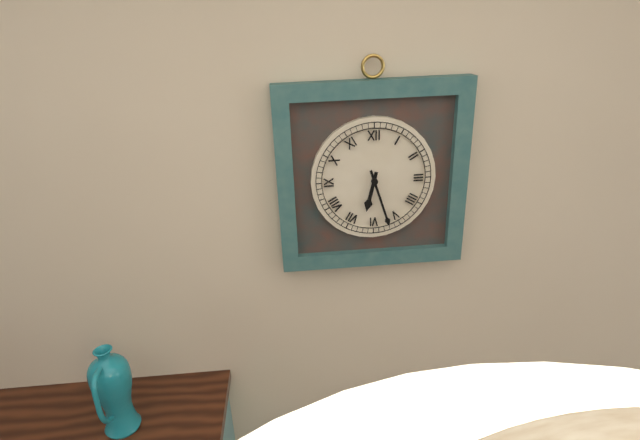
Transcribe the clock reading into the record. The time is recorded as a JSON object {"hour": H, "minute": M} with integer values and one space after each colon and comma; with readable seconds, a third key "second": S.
{"hour": 6, "minute": 27}
